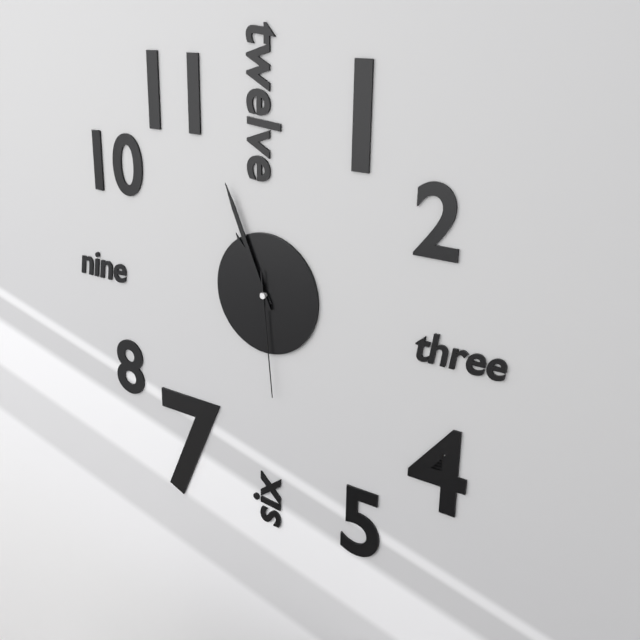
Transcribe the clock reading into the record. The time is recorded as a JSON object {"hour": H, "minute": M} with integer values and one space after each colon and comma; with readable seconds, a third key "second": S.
{"hour": 10, "minute": 56, "second": 29}
